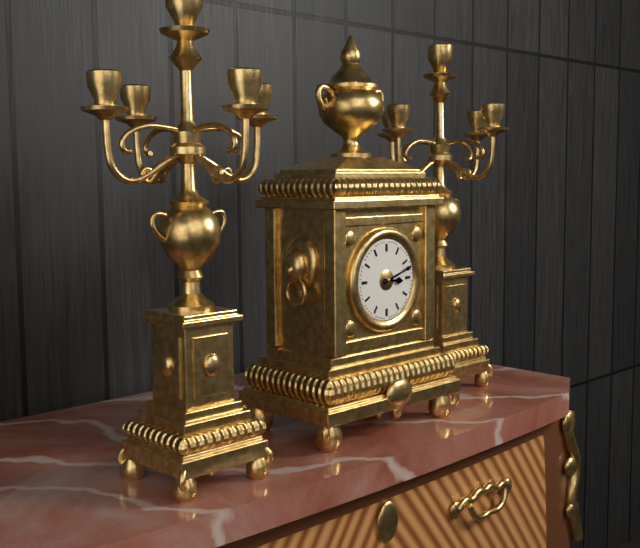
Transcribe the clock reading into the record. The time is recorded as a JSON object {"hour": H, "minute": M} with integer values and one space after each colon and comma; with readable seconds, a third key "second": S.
{"hour": 3, "minute": 12}
